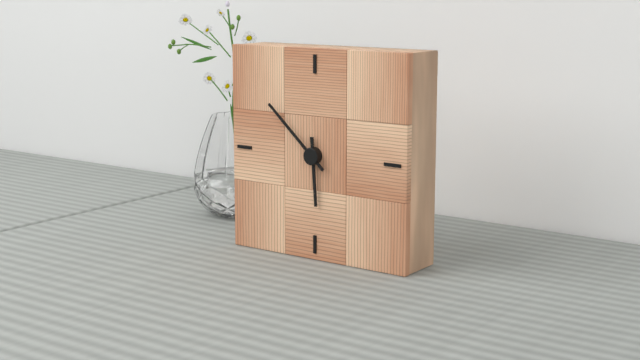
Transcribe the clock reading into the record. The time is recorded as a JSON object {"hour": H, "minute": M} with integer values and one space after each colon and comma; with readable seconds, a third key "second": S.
{"hour": 5, "minute": 52}
